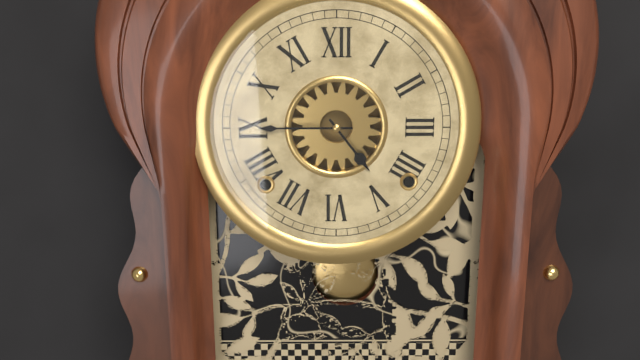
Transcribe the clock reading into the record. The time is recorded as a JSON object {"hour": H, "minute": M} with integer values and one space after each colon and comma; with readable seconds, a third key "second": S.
{"hour": 4, "minute": 45}
